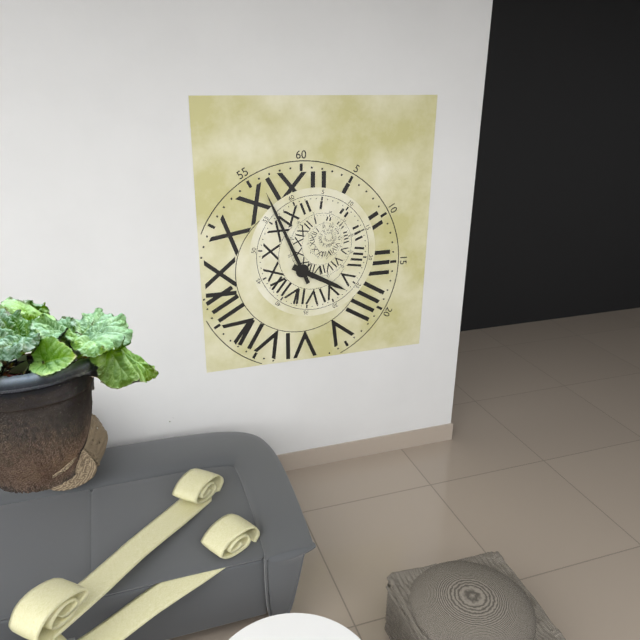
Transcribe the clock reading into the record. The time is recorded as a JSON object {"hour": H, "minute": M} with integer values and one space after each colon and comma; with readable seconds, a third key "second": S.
{"hour": 3, "minute": 56}
